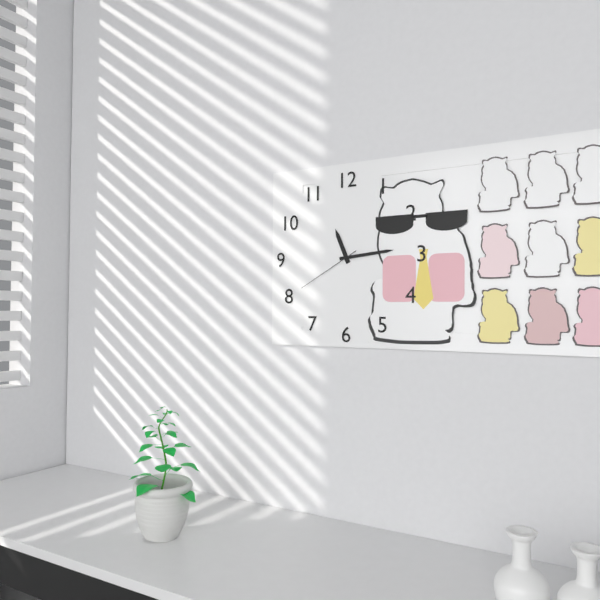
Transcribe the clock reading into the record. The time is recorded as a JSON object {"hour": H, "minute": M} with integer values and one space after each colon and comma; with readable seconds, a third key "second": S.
{"hour": 11, "minute": 14, "second": 40}
